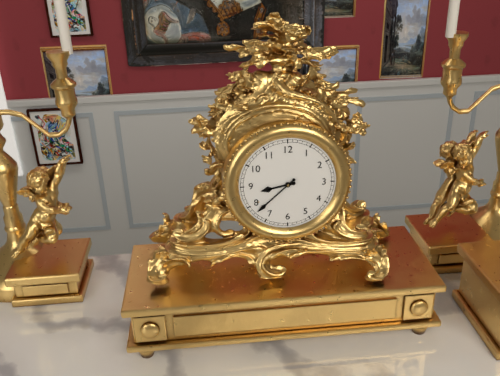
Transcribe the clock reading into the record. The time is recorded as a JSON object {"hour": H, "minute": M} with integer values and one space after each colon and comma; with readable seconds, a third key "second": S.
{"hour": 8, "minute": 38}
